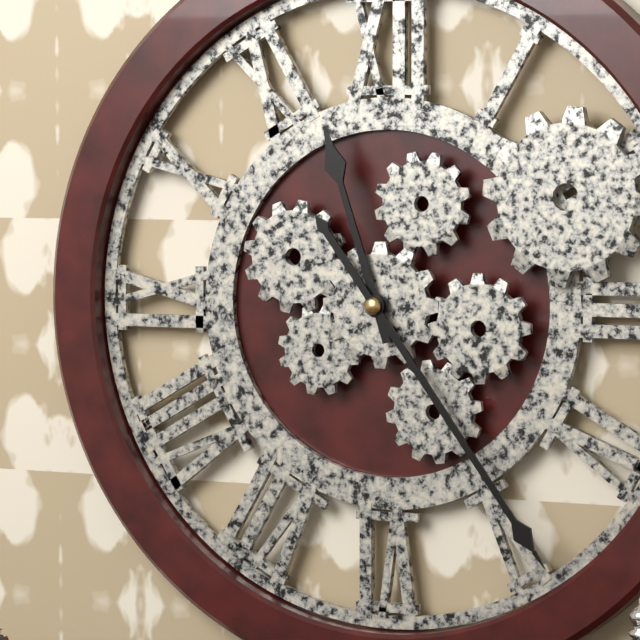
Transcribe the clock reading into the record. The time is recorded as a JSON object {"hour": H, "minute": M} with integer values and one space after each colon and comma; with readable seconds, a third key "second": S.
{"hour": 11, "minute": 24}
